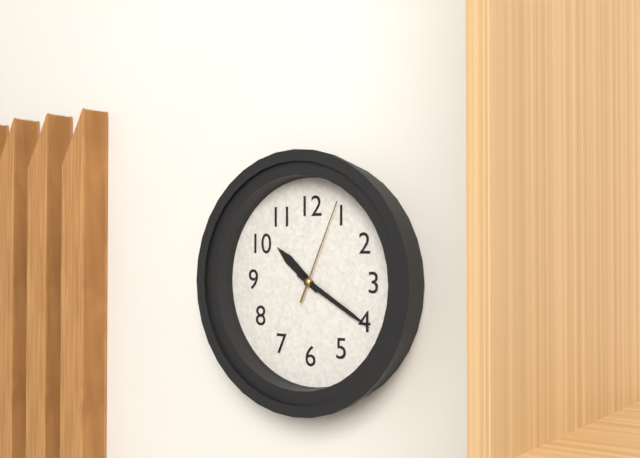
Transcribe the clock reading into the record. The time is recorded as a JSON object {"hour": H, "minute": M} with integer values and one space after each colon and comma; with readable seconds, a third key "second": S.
{"hour": 10, "minute": 20, "second": 4}
